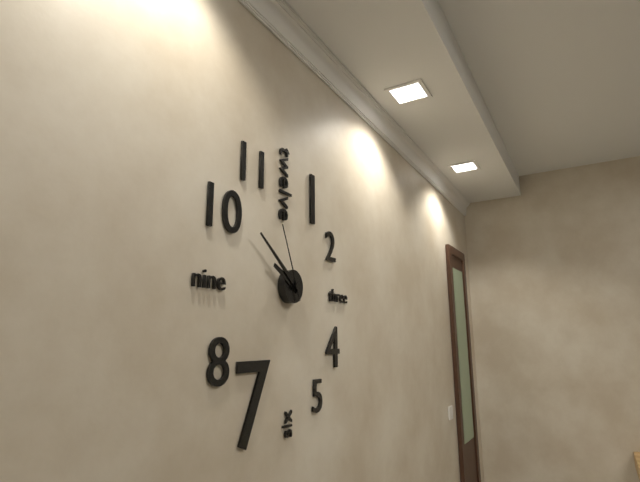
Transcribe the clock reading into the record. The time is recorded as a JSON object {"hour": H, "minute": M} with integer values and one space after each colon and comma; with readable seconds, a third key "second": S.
{"hour": 9, "minute": 51, "second": 56}
